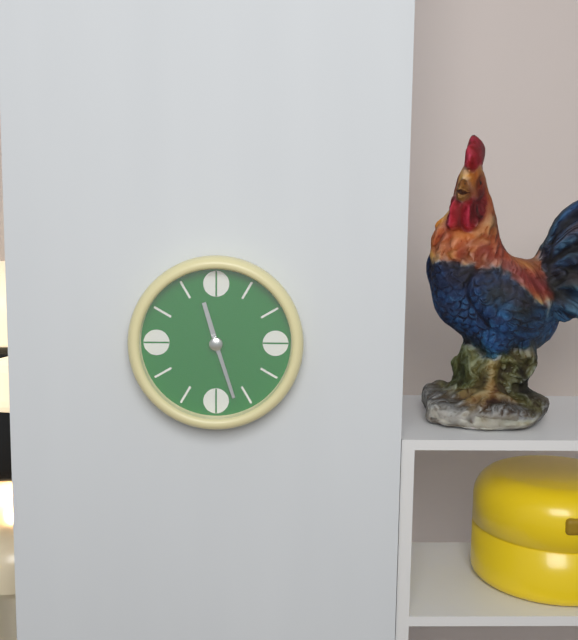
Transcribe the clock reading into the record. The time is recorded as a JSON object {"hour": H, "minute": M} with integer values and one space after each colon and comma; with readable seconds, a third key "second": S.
{"hour": 11, "minute": 27}
